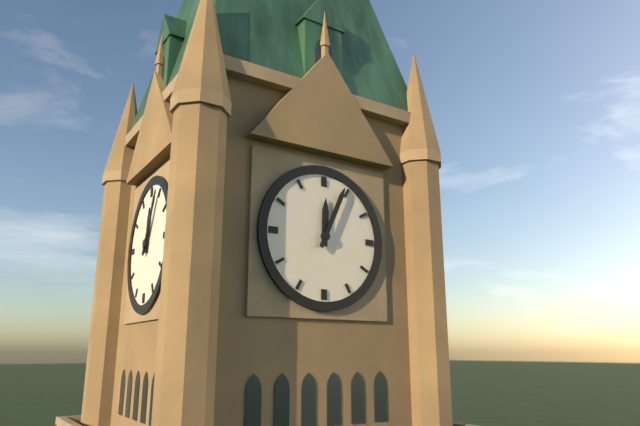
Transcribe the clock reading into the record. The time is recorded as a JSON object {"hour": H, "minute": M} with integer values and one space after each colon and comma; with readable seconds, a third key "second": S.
{"hour": 12, "minute": 4}
